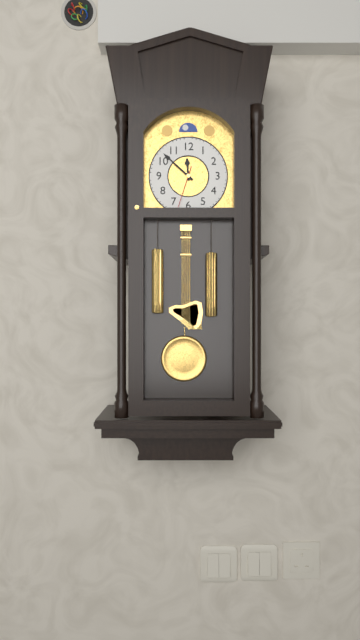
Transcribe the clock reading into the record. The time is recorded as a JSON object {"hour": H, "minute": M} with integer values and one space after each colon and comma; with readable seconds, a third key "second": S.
{"hour": 11, "minute": 52}
